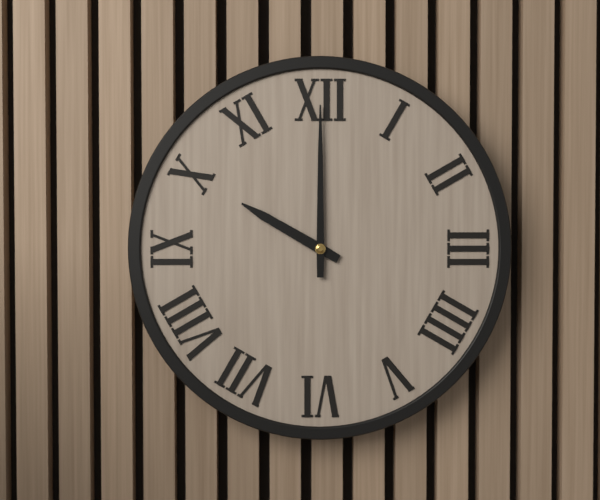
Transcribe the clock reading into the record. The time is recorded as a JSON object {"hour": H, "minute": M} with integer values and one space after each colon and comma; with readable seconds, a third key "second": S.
{"hour": 10, "minute": 0}
